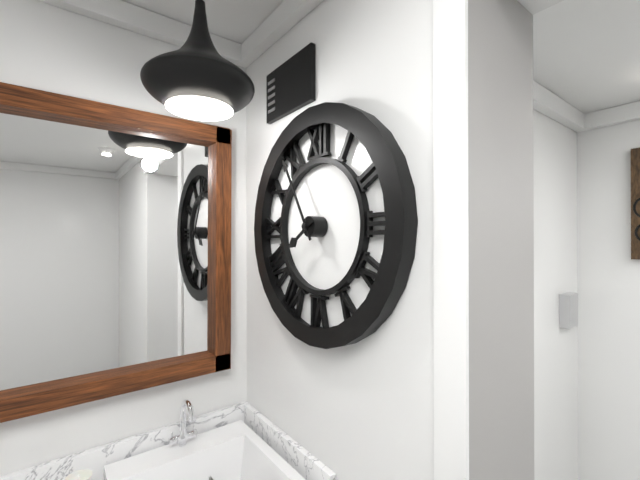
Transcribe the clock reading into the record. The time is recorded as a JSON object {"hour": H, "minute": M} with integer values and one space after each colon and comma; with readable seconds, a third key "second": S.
{"hour": 7, "minute": 55}
